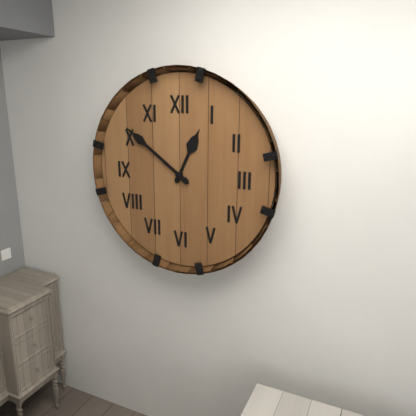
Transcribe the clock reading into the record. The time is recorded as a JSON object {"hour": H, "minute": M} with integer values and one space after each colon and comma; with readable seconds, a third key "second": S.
{"hour": 12, "minute": 51}
